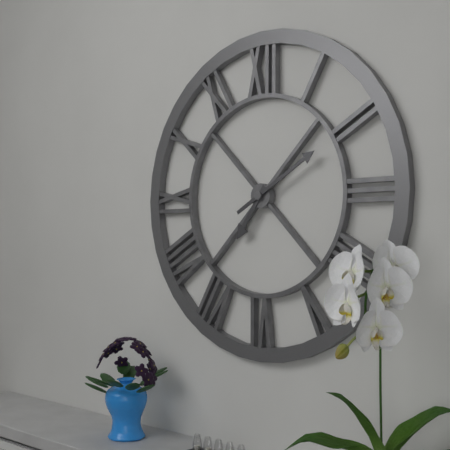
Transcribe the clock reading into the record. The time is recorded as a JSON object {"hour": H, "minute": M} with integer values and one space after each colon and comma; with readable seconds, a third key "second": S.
{"hour": 7, "minute": 10}
